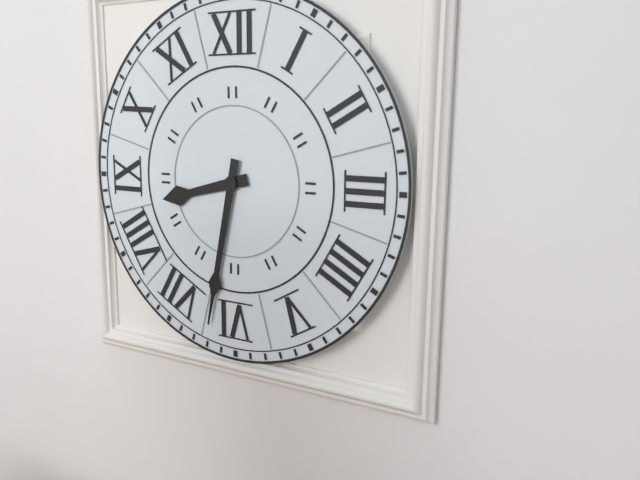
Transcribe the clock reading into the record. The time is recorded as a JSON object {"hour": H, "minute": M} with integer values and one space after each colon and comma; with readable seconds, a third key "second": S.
{"hour": 8, "minute": 32}
